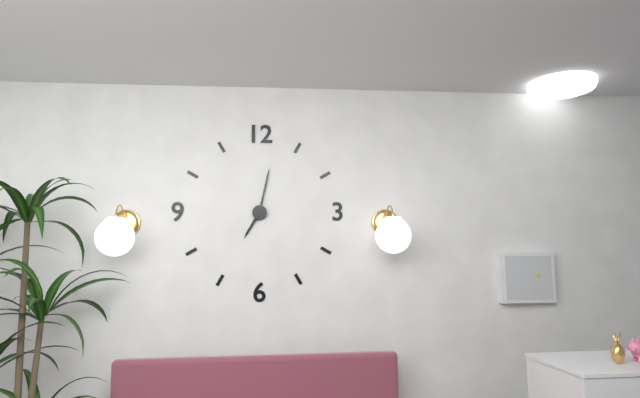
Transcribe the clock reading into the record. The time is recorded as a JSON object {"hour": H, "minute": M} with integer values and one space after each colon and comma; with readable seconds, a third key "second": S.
{"hour": 7, "minute": 2}
